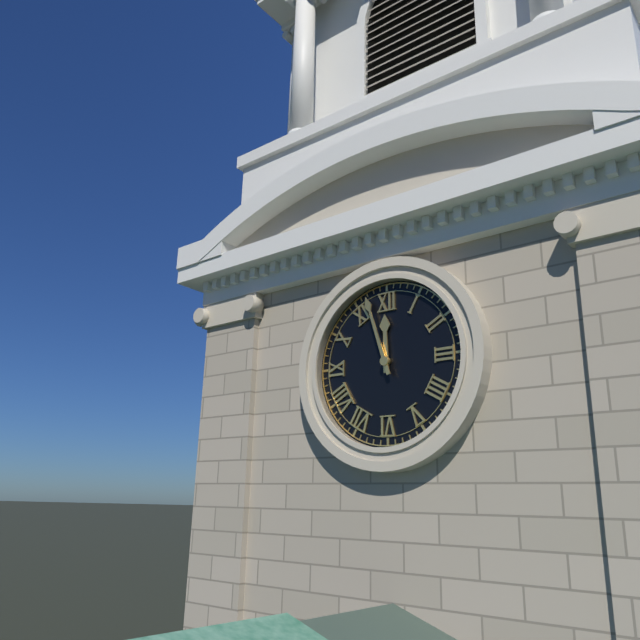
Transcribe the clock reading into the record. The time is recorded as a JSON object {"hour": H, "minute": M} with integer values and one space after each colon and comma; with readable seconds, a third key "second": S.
{"hour": 11, "minute": 57}
